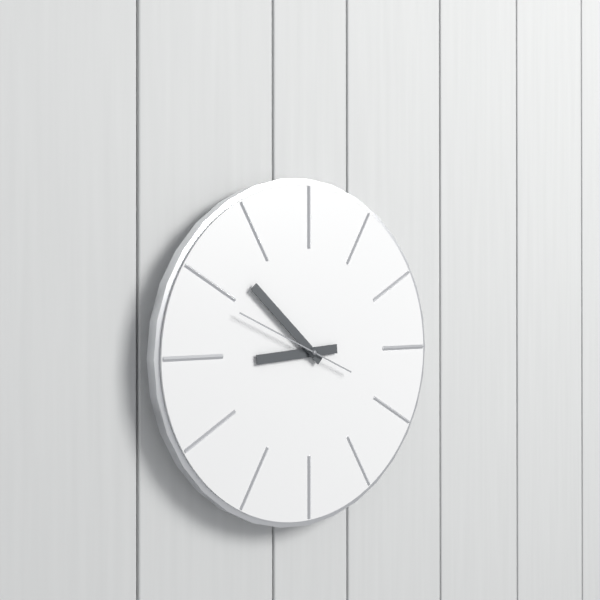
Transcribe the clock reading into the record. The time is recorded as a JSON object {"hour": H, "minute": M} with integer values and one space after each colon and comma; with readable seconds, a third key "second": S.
{"hour": 8, "minute": 52, "second": 49}
